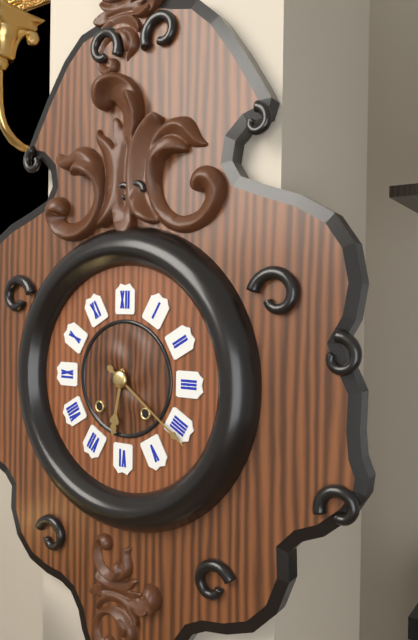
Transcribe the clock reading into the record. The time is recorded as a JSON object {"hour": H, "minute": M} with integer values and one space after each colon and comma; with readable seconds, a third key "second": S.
{"hour": 6, "minute": 21}
